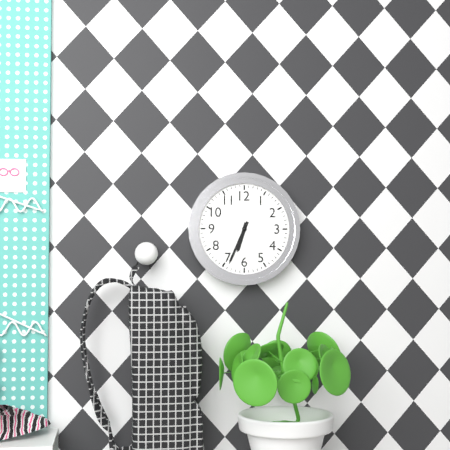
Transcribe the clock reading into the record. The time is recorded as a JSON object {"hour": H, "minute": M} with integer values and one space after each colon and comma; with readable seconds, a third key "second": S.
{"hour": 6, "minute": 34}
